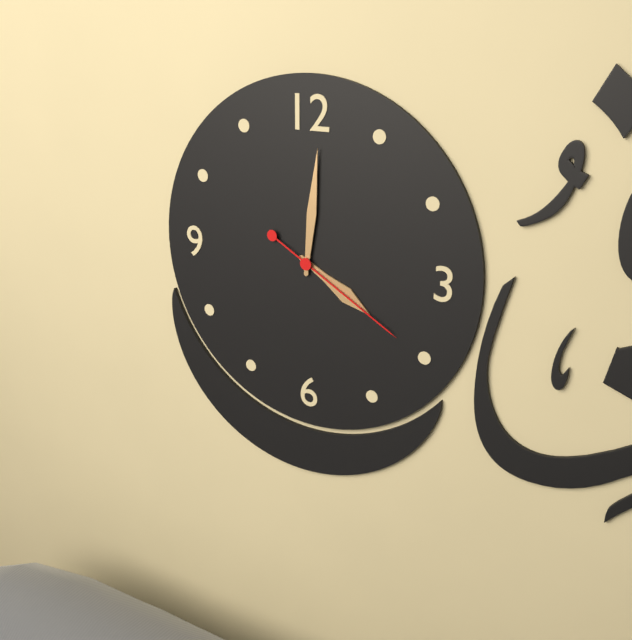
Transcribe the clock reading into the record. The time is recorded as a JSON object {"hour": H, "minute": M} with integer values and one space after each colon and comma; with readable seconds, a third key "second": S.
{"hour": 4, "minute": 1, "second": 20}
